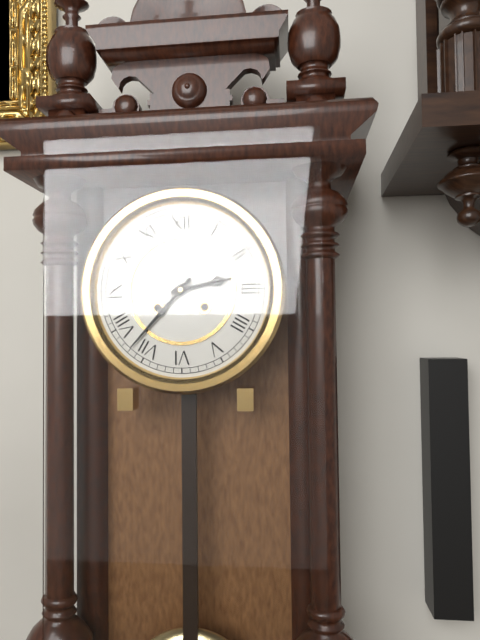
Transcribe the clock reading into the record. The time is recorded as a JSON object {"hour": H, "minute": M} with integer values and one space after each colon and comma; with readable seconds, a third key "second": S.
{"hour": 2, "minute": 37}
